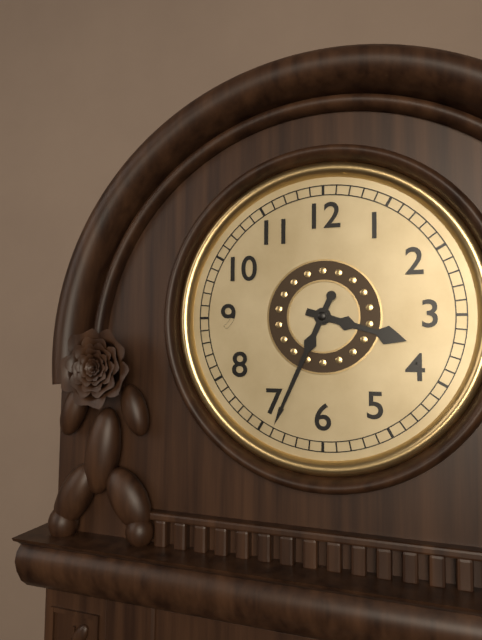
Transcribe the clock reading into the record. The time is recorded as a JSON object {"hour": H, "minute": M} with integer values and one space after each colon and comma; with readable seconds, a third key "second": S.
{"hour": 3, "minute": 34}
